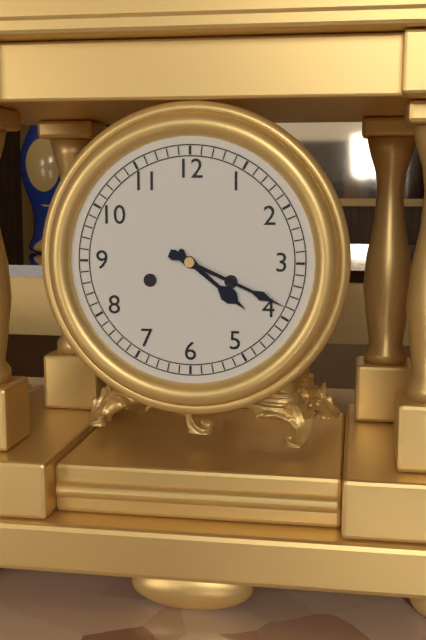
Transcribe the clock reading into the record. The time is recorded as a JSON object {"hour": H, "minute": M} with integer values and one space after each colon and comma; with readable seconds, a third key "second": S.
{"hour": 4, "minute": 19}
